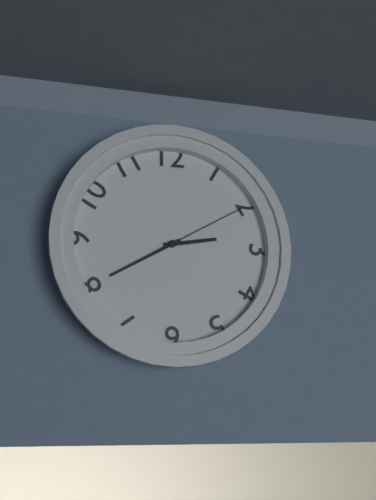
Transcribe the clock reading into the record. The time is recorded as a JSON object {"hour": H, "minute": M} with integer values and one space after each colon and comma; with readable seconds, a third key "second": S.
{"hour": 2, "minute": 40, "second": 10}
